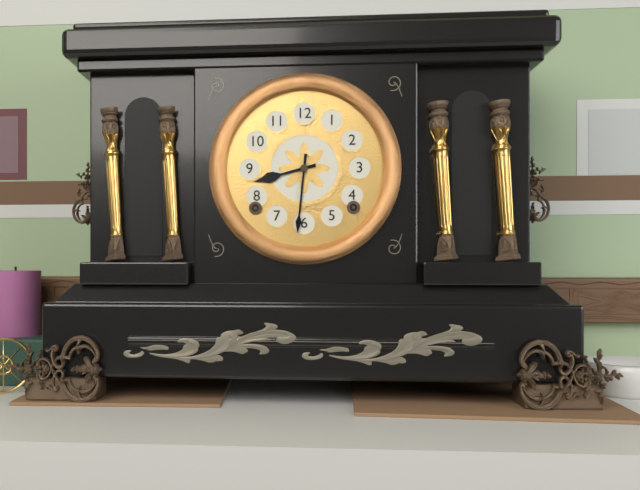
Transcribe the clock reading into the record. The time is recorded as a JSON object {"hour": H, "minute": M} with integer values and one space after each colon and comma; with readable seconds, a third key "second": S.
{"hour": 8, "minute": 31}
